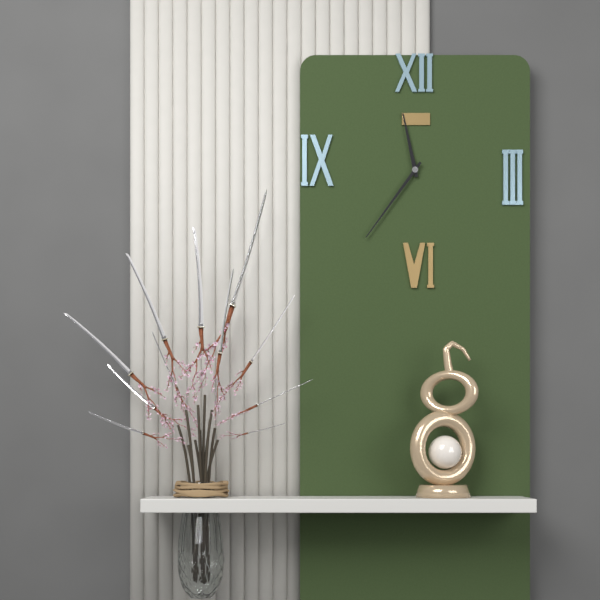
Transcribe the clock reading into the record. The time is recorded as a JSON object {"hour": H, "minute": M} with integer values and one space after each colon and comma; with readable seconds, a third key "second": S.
{"hour": 11, "minute": 36}
